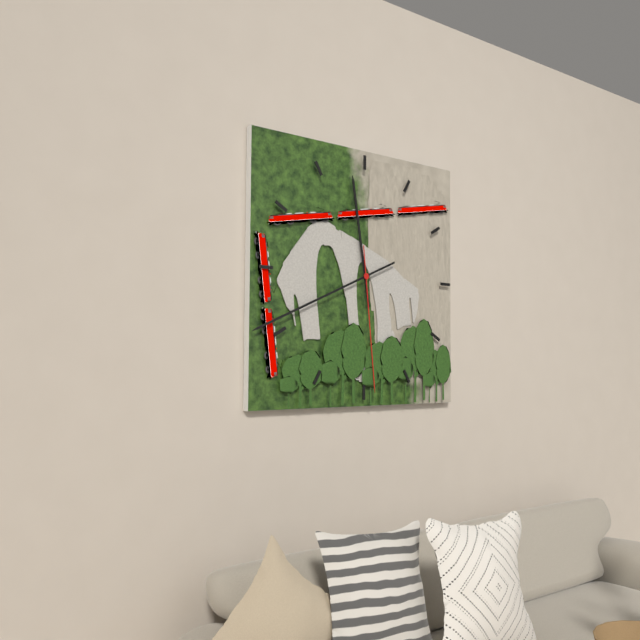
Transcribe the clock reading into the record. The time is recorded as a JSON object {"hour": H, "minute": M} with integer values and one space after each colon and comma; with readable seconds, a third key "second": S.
{"hour": 11, "minute": 41, "second": 29}
